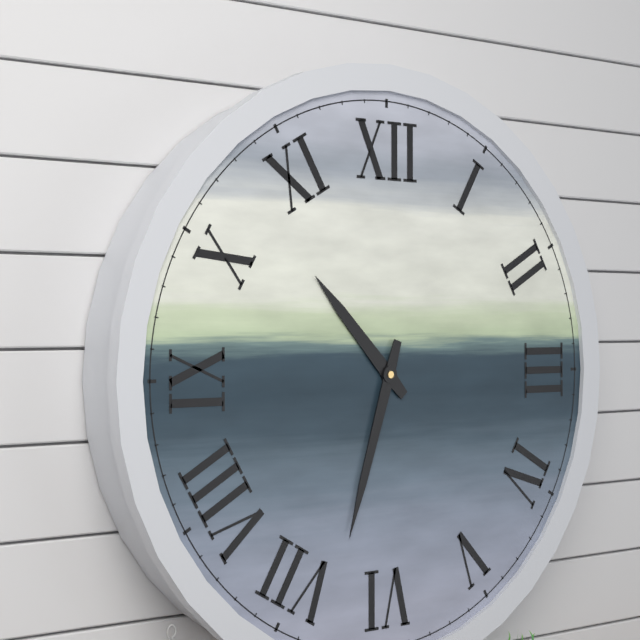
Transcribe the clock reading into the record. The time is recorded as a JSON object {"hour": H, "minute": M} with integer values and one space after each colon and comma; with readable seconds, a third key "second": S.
{"hour": 10, "minute": 33}
